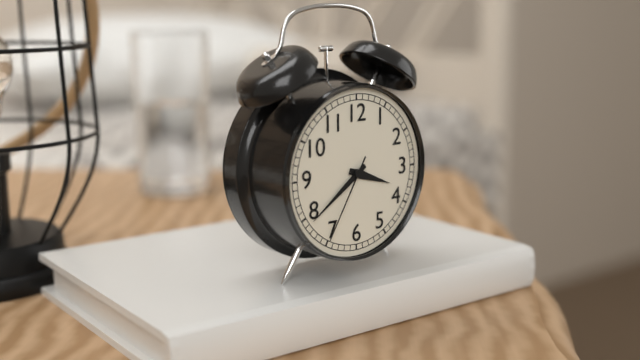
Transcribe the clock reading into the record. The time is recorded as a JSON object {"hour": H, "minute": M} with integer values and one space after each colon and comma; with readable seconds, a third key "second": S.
{"hour": 3, "minute": 39, "second": 35}
